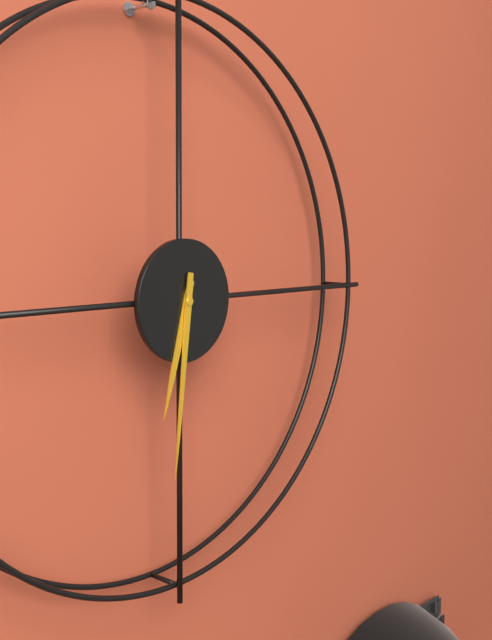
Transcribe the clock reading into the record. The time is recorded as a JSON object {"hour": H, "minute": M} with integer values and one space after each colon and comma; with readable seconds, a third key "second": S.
{"hour": 6, "minute": 31}
